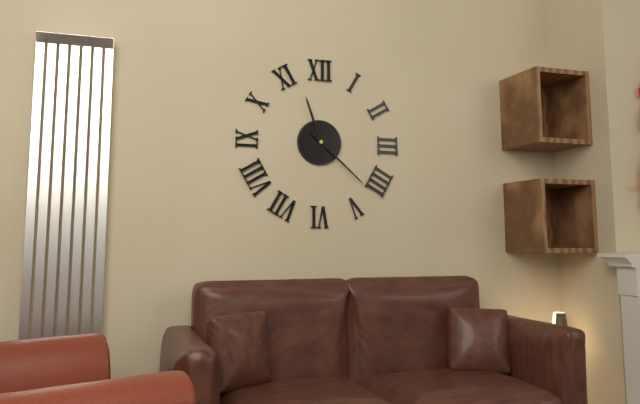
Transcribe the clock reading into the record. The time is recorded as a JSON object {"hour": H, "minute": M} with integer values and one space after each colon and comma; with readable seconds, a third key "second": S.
{"hour": 11, "minute": 22}
